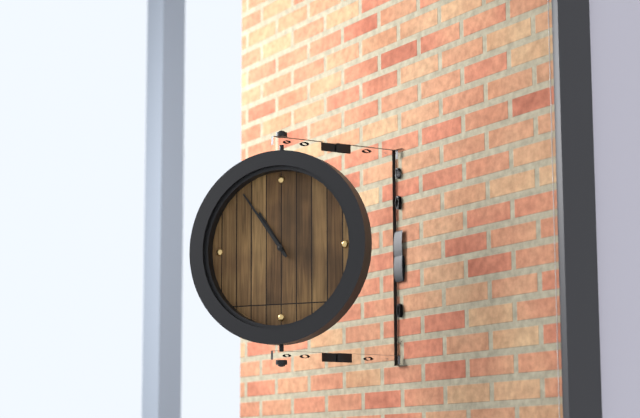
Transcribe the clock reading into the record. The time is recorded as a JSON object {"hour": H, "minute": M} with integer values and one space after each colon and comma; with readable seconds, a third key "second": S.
{"hour": 10, "minute": 54}
